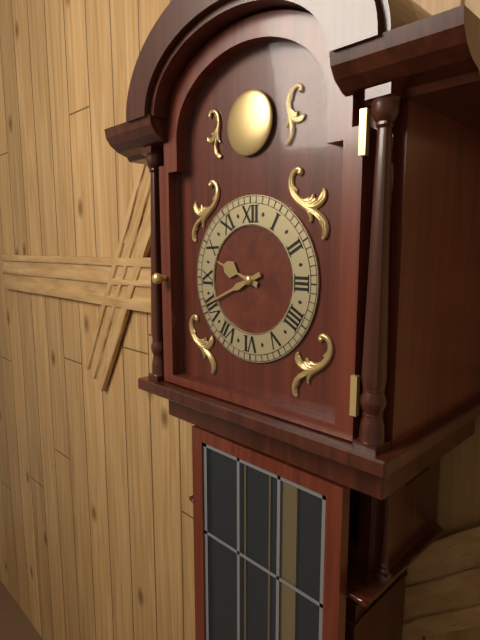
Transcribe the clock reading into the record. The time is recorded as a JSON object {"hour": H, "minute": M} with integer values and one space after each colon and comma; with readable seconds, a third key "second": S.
{"hour": 9, "minute": 41}
